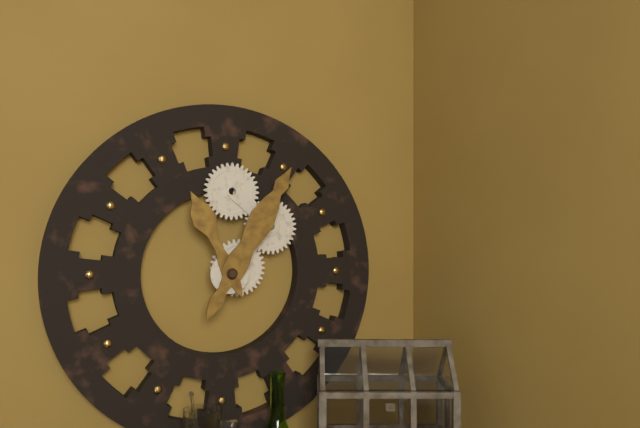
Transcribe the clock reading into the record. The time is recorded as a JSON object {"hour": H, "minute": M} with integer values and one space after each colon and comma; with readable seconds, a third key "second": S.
{"hour": 11, "minute": 5}
